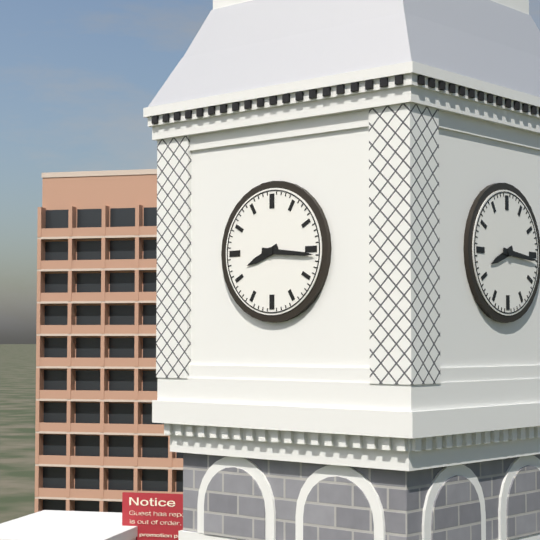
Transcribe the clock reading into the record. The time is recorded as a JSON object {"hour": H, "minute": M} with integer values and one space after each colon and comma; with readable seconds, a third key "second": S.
{"hour": 8, "minute": 16}
